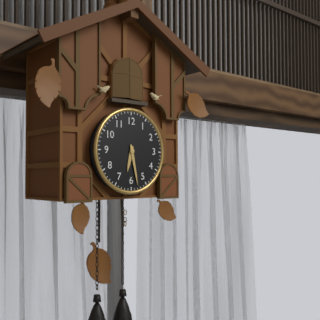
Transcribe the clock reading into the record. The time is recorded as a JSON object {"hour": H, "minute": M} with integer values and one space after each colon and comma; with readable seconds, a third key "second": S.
{"hour": 6, "minute": 28}
